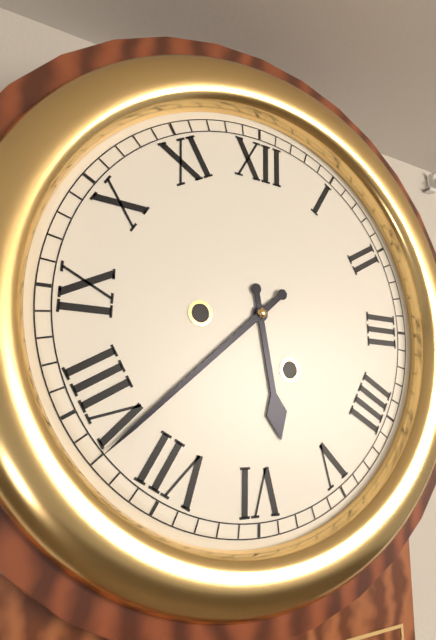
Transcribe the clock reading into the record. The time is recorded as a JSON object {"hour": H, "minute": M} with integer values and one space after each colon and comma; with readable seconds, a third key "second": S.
{"hour": 5, "minute": 38}
